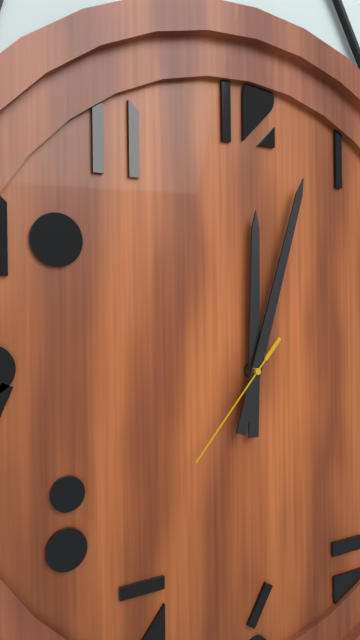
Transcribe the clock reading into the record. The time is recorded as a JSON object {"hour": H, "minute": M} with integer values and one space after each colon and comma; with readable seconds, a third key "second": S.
{"hour": 12, "minute": 3, "second": 37}
